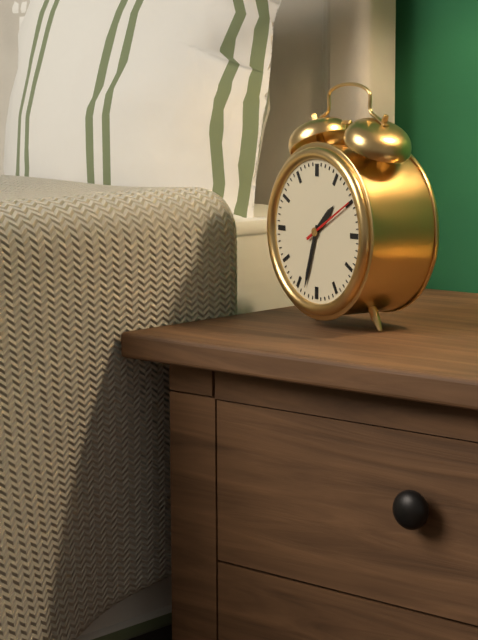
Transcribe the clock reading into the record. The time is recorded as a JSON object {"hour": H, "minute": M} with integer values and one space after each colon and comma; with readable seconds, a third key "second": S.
{"hour": 1, "minute": 33, "second": 10}
